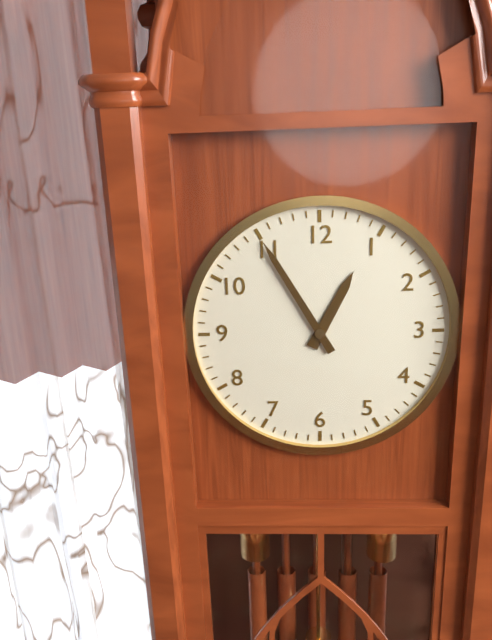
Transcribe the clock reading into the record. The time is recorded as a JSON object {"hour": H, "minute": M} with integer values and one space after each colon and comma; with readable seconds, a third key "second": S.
{"hour": 12, "minute": 55}
